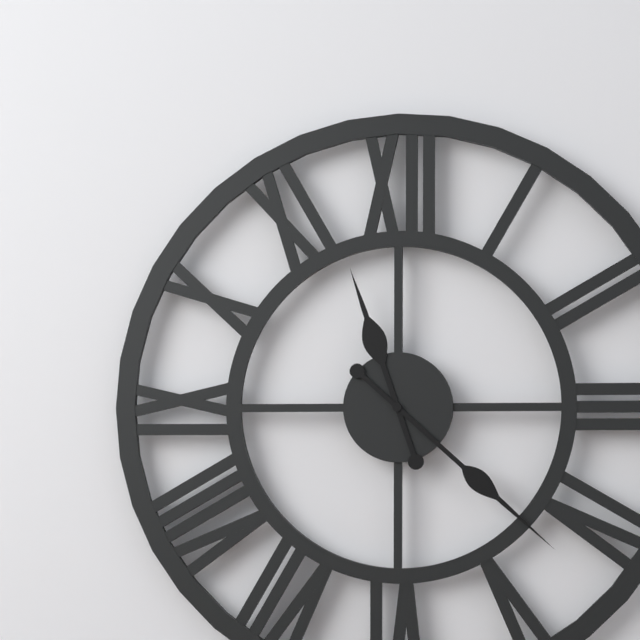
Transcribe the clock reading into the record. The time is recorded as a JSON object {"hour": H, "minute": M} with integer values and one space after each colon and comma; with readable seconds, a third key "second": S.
{"hour": 11, "minute": 22}
